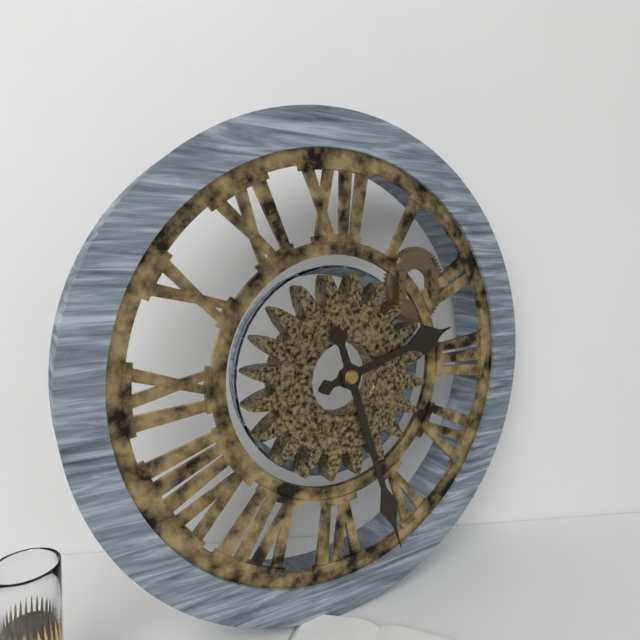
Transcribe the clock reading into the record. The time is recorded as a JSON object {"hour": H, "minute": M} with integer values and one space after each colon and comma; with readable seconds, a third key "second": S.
{"hour": 2, "minute": 27}
